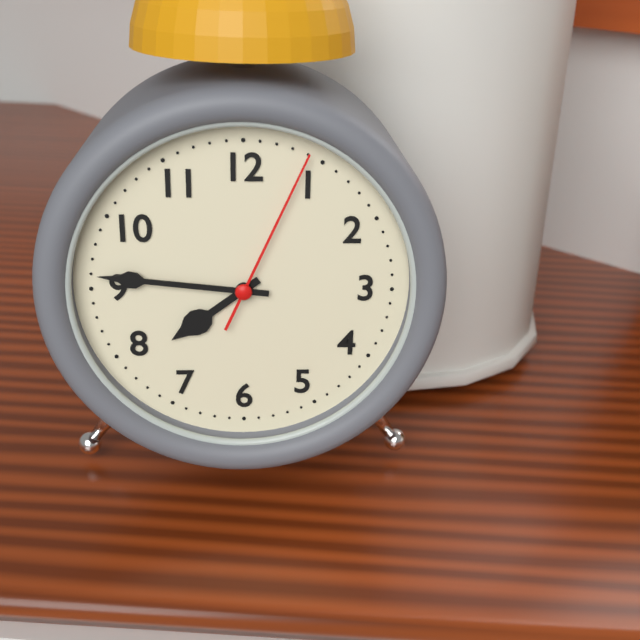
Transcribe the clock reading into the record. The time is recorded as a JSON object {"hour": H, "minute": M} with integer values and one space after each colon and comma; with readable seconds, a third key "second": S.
{"hour": 7, "minute": 46, "second": 4}
